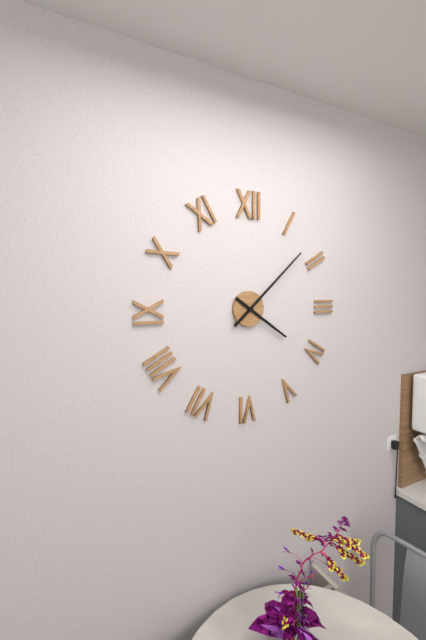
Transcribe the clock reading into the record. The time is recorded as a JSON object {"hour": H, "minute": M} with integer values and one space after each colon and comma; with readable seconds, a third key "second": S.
{"hour": 4, "minute": 8}
